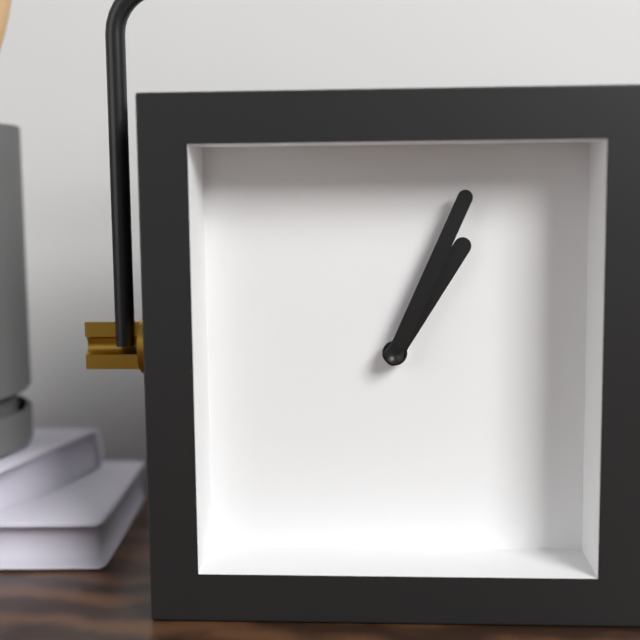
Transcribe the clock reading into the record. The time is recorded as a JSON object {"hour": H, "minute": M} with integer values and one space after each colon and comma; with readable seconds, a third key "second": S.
{"hour": 1, "minute": 4}
